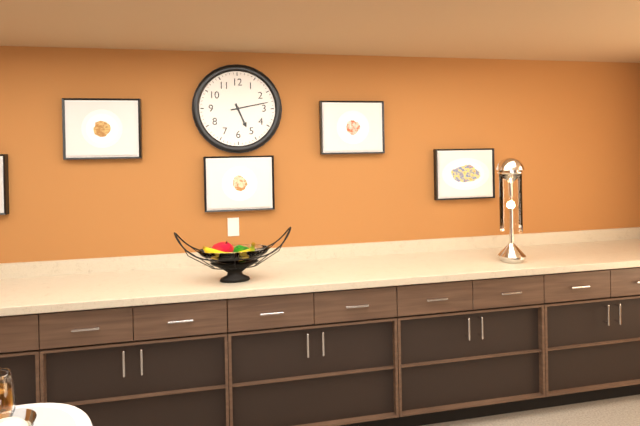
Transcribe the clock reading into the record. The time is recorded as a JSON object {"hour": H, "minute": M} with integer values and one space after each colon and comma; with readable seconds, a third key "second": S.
{"hour": 5, "minute": 13}
